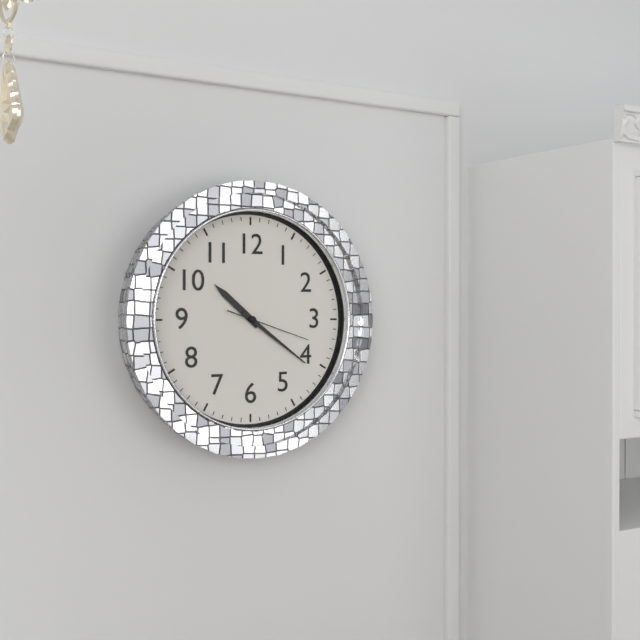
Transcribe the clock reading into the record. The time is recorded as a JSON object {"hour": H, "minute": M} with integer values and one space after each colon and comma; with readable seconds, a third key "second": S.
{"hour": 10, "minute": 21, "second": 18}
